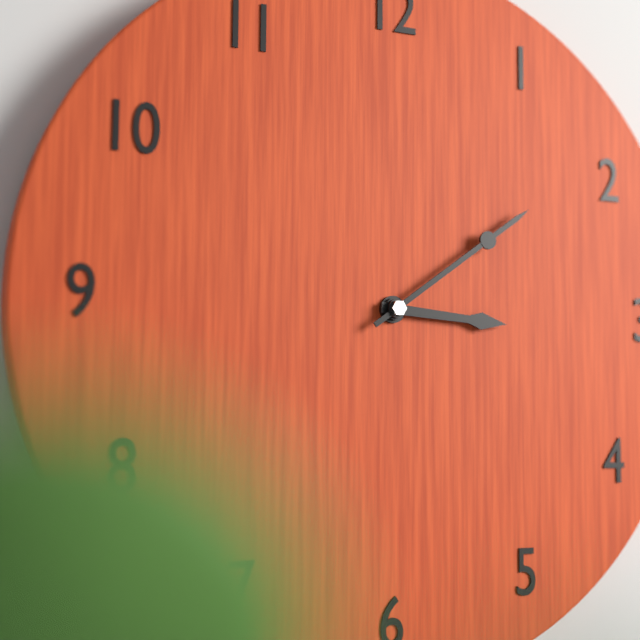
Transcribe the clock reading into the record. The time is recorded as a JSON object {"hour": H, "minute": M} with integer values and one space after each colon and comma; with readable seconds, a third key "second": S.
{"hour": 3, "minute": 9}
